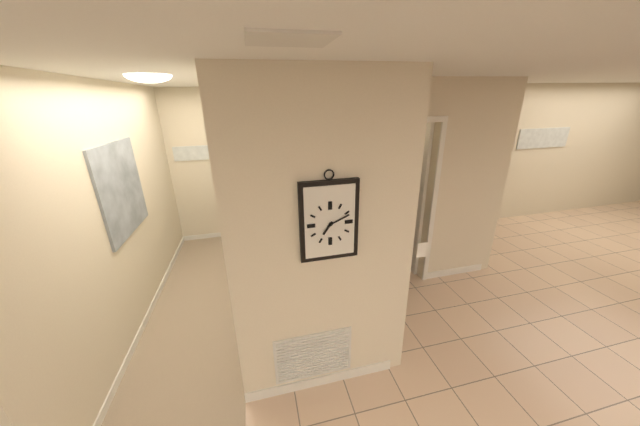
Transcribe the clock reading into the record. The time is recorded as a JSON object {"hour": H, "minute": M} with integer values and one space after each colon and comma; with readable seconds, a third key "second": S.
{"hour": 7, "minute": 11}
